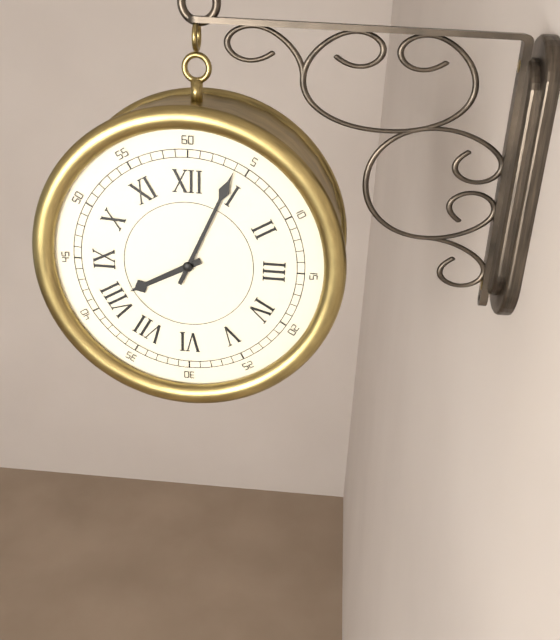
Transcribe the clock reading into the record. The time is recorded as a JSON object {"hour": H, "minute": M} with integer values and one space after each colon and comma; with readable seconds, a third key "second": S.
{"hour": 8, "minute": 4}
